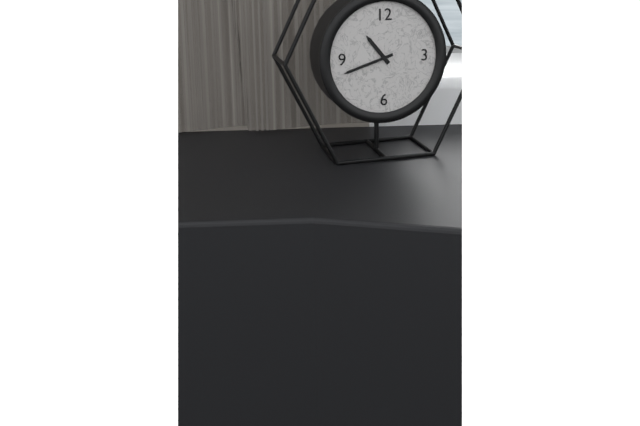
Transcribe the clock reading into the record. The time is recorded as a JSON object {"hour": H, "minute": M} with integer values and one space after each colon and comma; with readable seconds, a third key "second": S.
{"hour": 10, "minute": 42}
